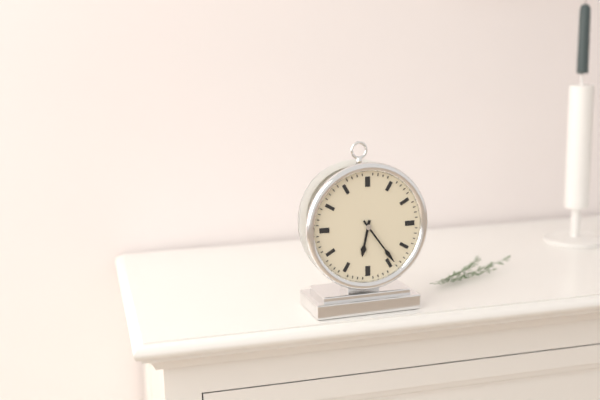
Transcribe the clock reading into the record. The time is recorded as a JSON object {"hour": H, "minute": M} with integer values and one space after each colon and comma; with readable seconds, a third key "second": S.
{"hour": 6, "minute": 24}
